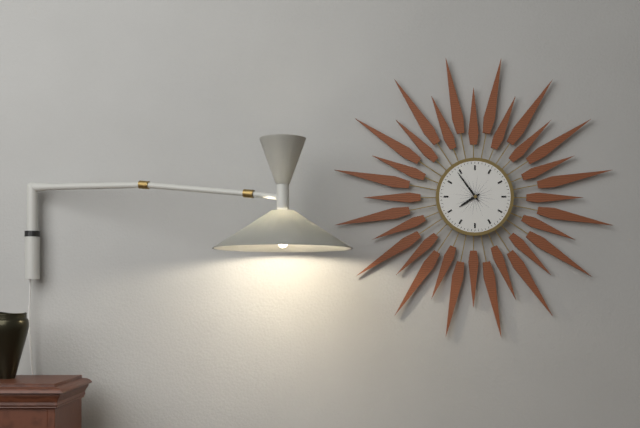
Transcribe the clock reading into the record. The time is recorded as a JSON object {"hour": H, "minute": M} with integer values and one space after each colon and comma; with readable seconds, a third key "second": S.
{"hour": 7, "minute": 54}
